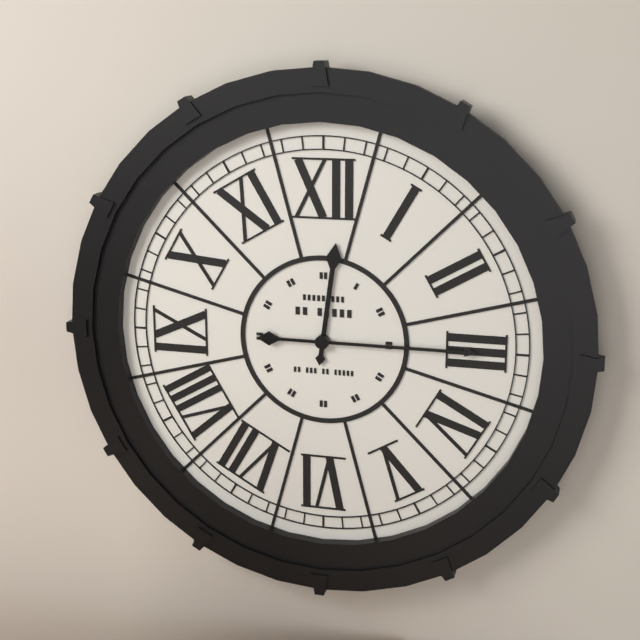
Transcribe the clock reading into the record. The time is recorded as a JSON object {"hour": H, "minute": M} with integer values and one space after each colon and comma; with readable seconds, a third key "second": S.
{"hour": 12, "minute": 15}
